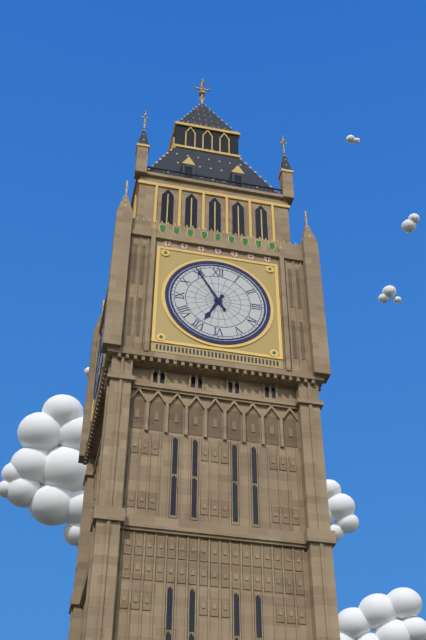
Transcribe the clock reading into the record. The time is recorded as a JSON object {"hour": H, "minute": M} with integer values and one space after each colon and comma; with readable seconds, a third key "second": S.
{"hour": 6, "minute": 55}
